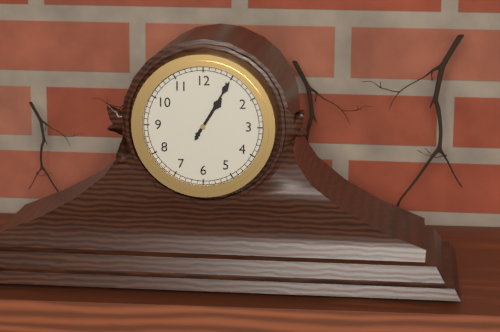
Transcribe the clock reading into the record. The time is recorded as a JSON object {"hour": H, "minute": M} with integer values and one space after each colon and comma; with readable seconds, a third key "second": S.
{"hour": 1, "minute": 5}
